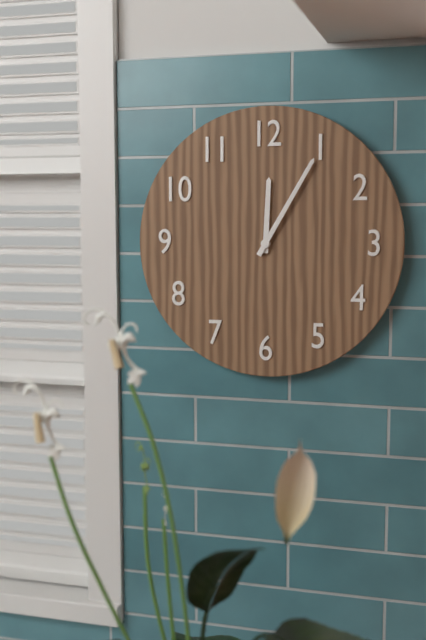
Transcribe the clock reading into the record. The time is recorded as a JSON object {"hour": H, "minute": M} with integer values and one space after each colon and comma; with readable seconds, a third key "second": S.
{"hour": 12, "minute": 5}
